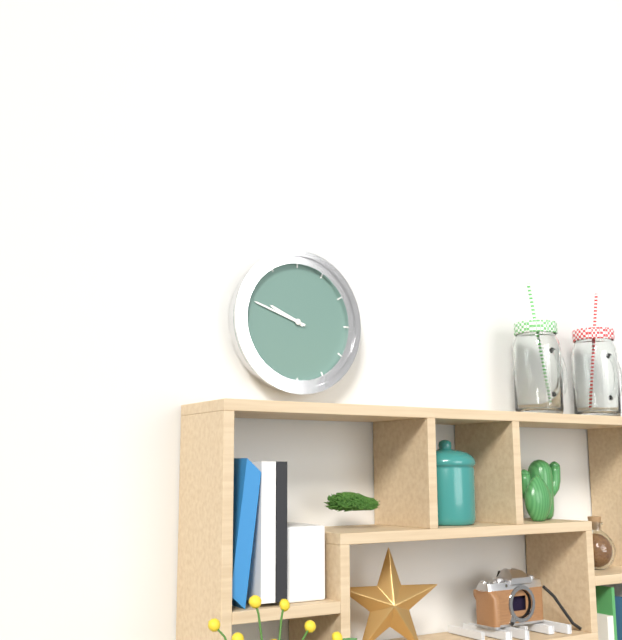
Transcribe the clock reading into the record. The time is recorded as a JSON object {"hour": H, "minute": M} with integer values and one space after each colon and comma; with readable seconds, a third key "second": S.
{"hour": 9, "minute": 48}
